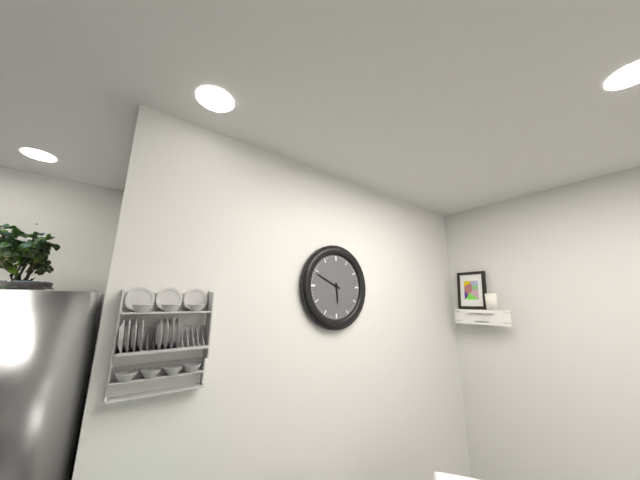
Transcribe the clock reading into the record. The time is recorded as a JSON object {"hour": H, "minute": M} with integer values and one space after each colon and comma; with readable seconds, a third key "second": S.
{"hour": 5, "minute": 49}
